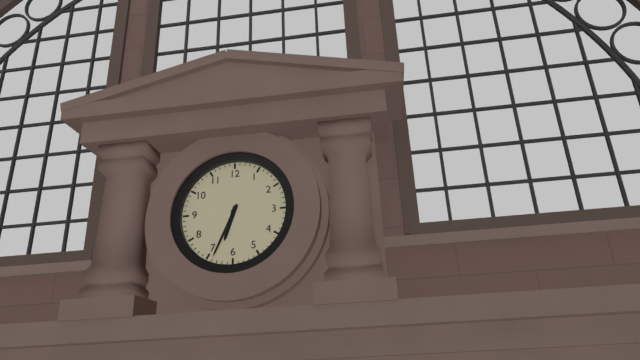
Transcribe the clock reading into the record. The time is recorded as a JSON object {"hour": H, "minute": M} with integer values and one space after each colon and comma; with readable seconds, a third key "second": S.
{"hour": 6, "minute": 34}
